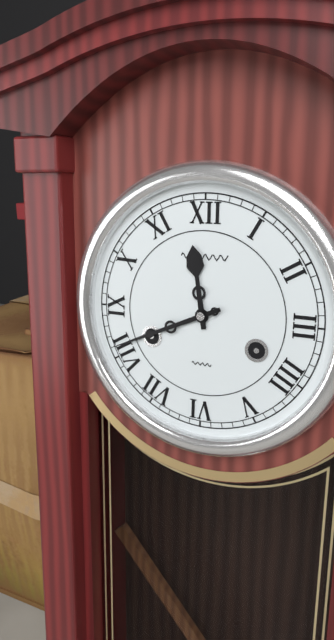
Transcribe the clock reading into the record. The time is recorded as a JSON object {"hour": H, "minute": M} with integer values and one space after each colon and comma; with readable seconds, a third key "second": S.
{"hour": 11, "minute": 41}
